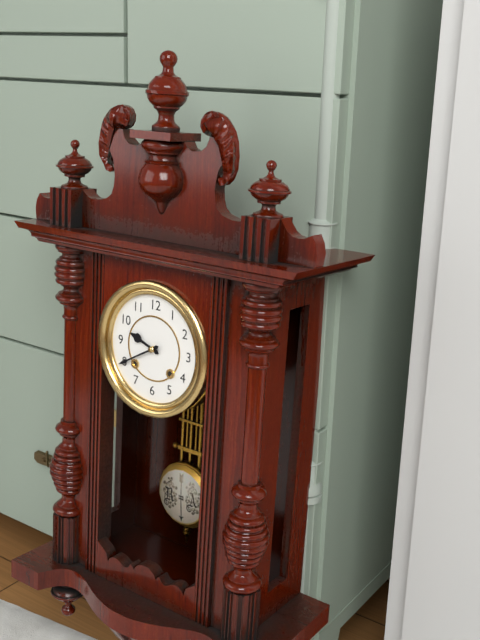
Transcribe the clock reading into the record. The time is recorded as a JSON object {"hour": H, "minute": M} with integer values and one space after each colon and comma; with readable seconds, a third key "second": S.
{"hour": 9, "minute": 40}
